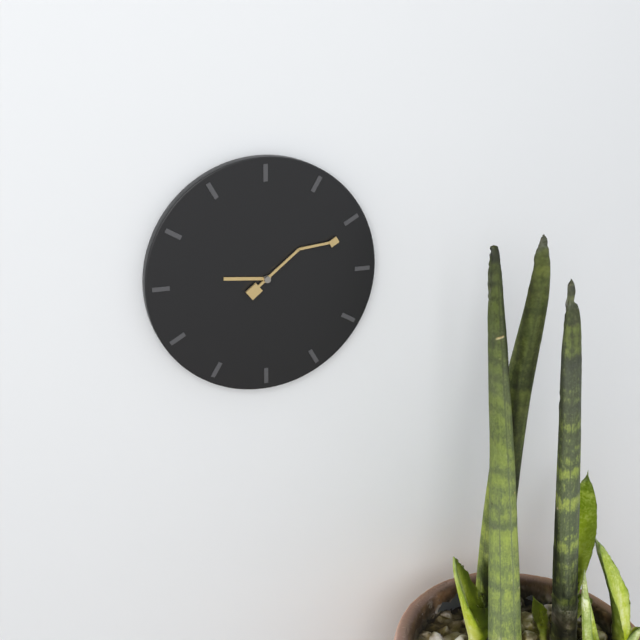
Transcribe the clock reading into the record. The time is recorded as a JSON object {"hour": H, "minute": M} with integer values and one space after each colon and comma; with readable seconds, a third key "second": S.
{"hour": 9, "minute": 11}
